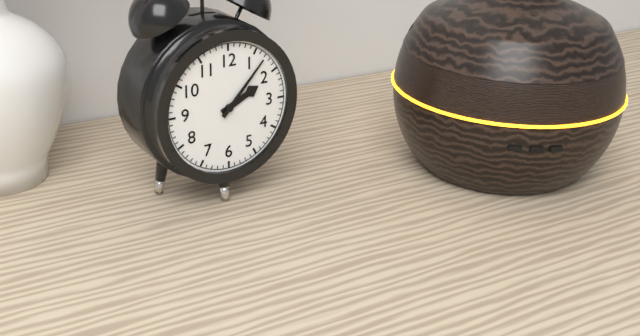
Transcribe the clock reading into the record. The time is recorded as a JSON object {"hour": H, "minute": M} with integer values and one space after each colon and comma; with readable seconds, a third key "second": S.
{"hour": 2, "minute": 7}
